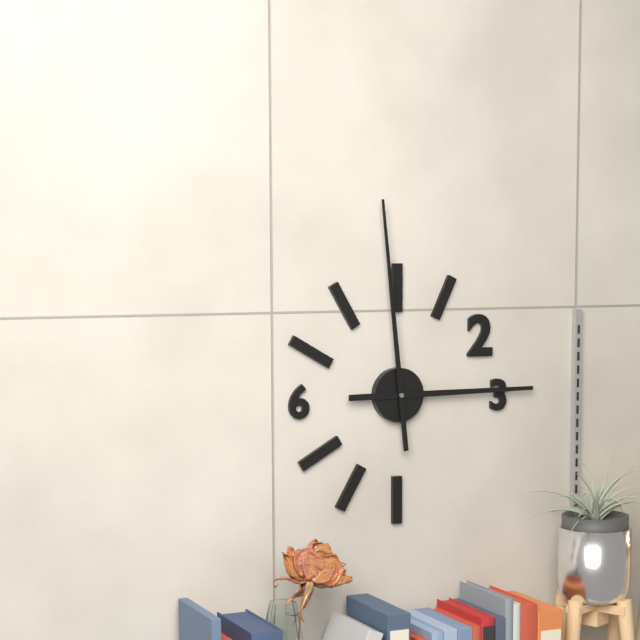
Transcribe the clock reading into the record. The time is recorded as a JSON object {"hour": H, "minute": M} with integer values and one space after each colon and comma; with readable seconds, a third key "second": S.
{"hour": 2, "minute": 59}
